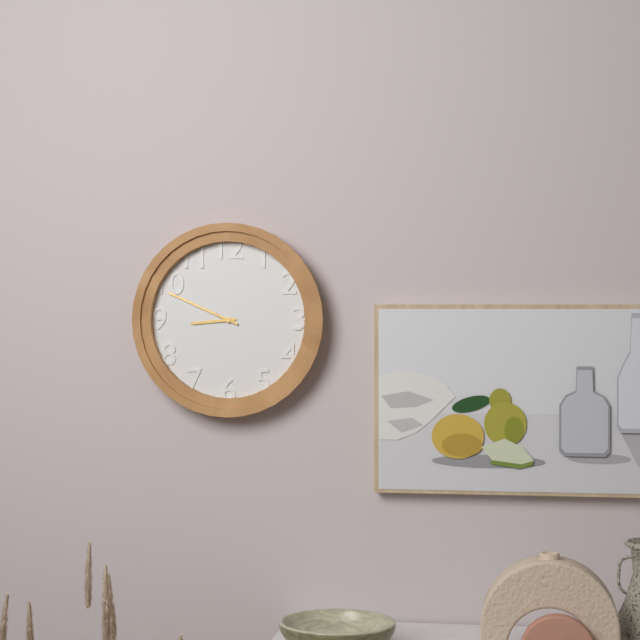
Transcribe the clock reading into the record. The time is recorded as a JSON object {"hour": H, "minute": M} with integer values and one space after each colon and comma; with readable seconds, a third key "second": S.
{"hour": 8, "minute": 49}
